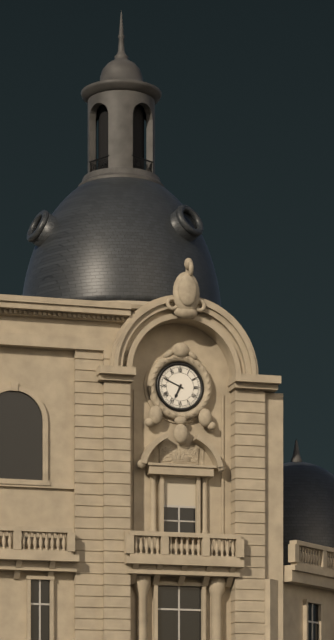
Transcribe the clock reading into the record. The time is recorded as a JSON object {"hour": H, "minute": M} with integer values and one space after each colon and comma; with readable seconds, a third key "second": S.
{"hour": 6, "minute": 49}
